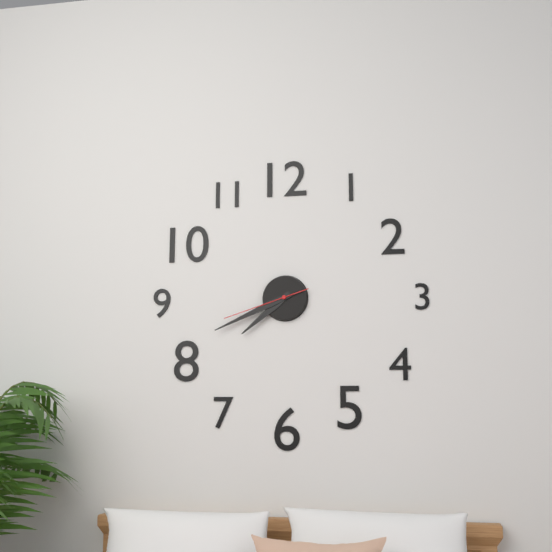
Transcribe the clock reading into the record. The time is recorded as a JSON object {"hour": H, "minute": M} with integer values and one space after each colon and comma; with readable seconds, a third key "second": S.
{"hour": 7, "minute": 41, "second": 42}
